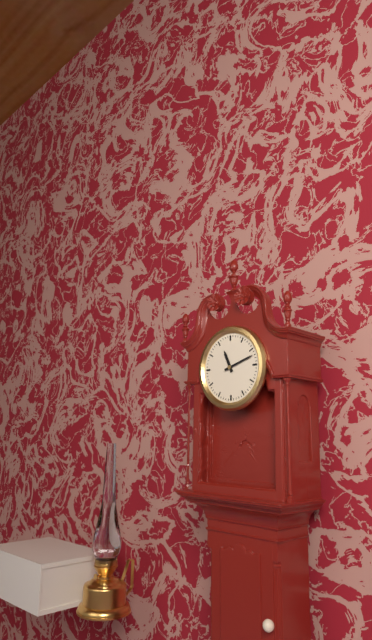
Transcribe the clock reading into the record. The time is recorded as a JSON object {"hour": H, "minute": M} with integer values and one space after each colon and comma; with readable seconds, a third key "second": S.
{"hour": 11, "minute": 12}
